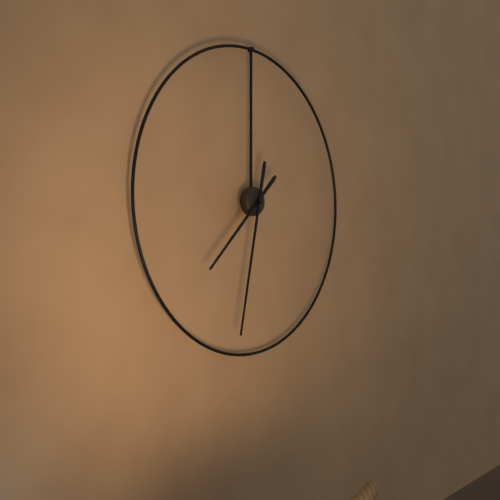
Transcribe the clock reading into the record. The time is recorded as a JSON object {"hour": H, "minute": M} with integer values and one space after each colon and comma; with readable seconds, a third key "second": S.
{"hour": 7, "minute": 32}
